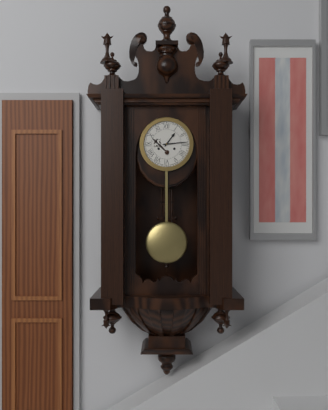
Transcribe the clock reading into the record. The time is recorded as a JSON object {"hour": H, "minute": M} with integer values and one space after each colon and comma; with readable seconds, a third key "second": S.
{"hour": 1, "minute": 14}
